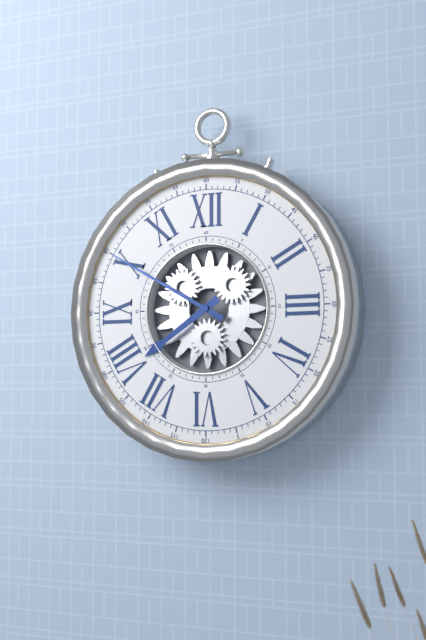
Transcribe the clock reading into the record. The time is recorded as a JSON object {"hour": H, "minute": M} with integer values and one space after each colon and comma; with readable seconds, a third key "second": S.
{"hour": 7, "minute": 50}
